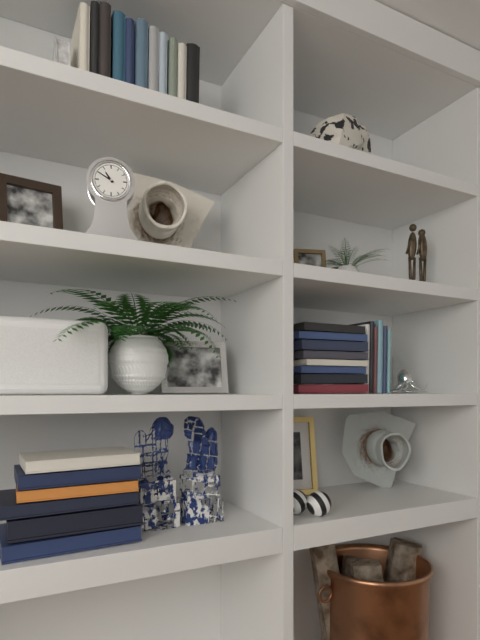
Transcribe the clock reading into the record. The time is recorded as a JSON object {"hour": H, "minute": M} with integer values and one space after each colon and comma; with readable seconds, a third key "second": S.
{"hour": 10, "minute": 50}
